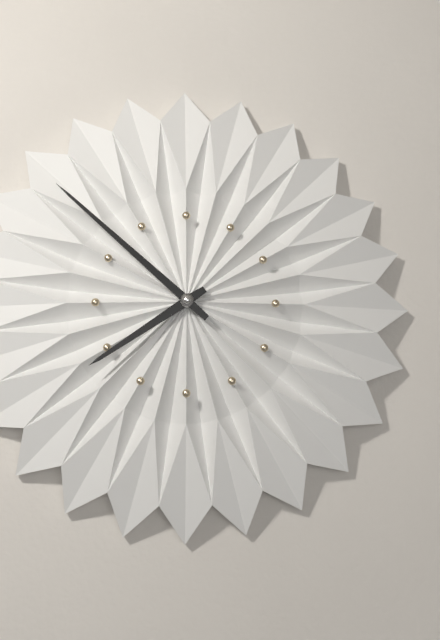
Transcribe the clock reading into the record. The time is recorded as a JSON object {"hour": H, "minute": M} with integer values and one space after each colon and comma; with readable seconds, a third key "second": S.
{"hour": 7, "minute": 52}
